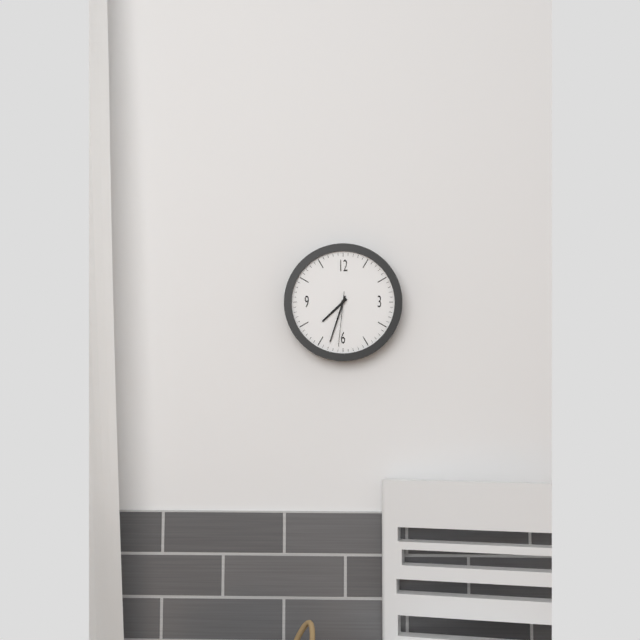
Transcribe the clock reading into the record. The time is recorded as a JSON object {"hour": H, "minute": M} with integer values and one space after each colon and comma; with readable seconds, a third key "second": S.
{"hour": 7, "minute": 33, "second": 31}
